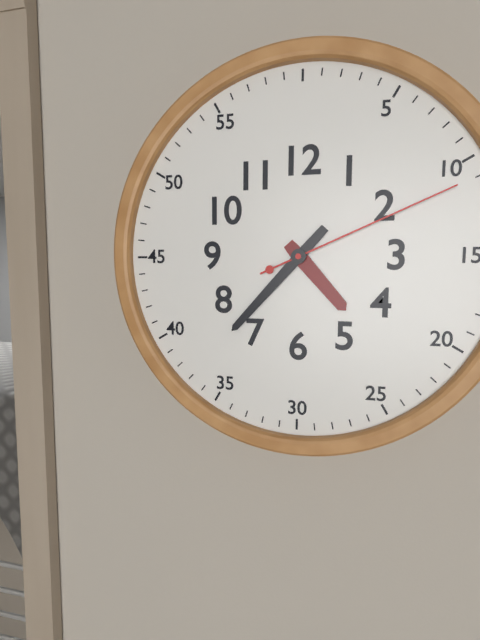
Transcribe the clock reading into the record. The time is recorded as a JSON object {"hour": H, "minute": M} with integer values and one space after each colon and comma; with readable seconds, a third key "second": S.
{"hour": 4, "minute": 37, "second": 11}
